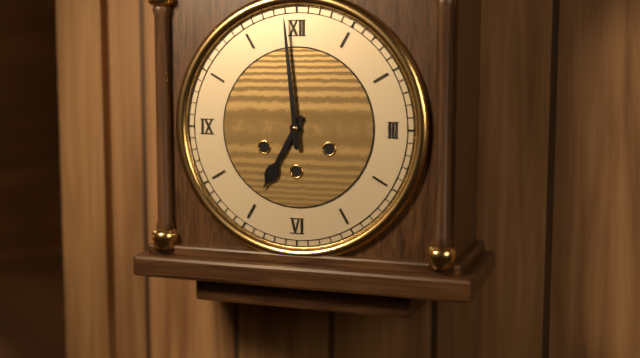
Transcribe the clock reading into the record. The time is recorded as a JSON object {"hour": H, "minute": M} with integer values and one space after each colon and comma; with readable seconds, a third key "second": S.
{"hour": 6, "minute": 59}
